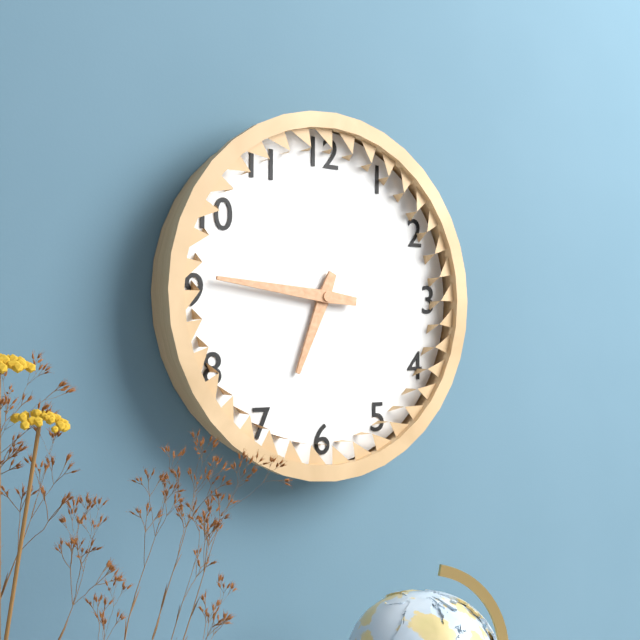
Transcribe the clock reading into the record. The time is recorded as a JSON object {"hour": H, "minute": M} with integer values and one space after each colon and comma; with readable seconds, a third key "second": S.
{"hour": 6, "minute": 46}
